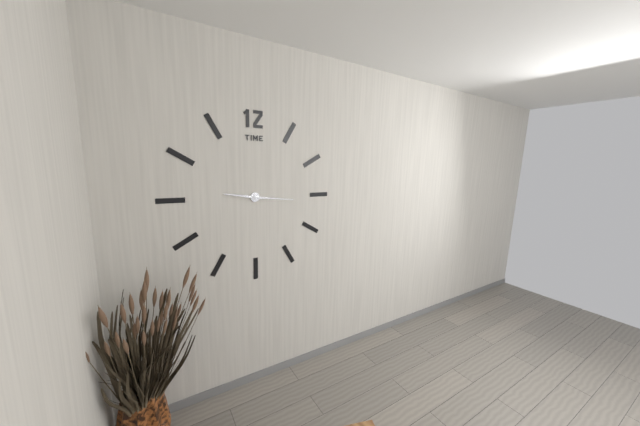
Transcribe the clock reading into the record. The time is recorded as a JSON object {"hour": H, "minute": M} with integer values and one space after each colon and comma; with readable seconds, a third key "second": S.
{"hour": 9, "minute": 16}
